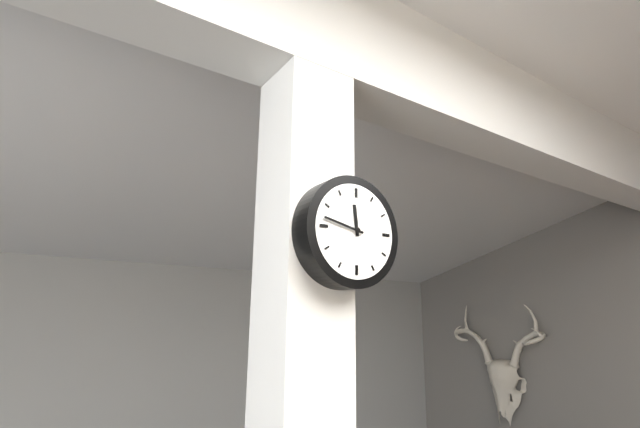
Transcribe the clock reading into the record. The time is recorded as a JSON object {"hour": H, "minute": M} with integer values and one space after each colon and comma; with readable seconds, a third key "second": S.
{"hour": 11, "minute": 47}
